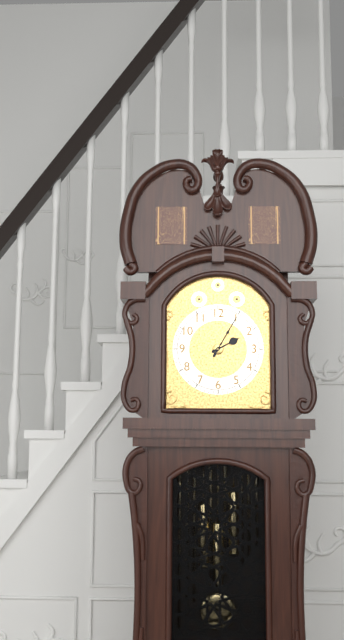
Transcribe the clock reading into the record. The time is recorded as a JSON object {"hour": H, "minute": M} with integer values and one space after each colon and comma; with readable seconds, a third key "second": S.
{"hour": 2, "minute": 5}
